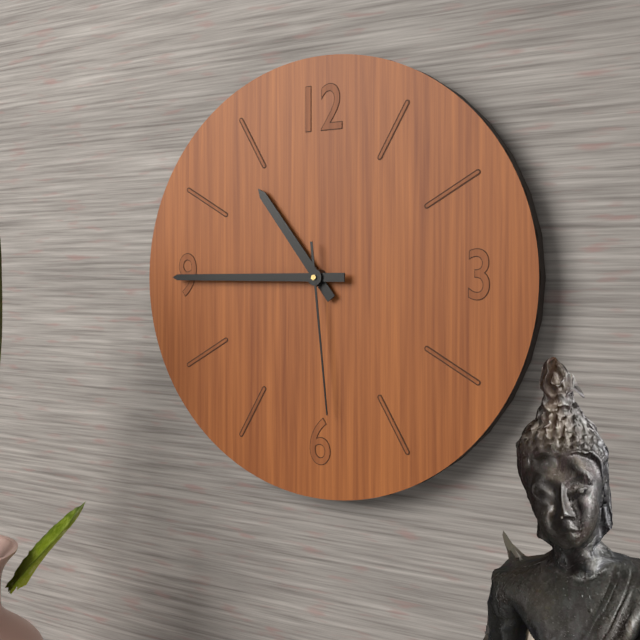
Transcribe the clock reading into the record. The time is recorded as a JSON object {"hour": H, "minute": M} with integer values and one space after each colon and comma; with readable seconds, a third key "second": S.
{"hour": 10, "minute": 45, "second": 29}
